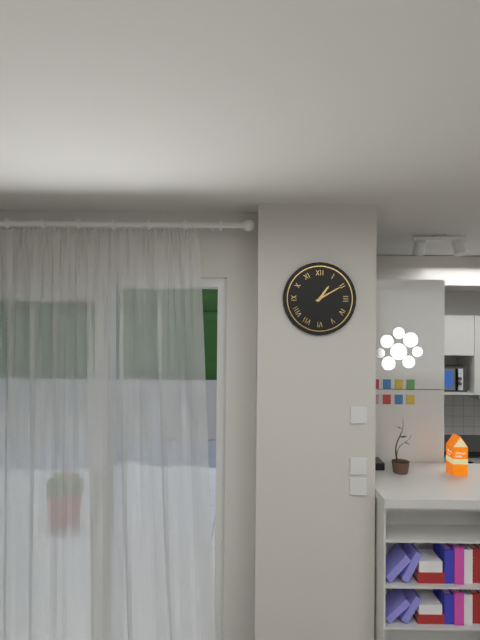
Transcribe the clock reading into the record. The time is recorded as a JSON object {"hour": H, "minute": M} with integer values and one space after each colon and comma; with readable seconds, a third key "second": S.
{"hour": 1, "minute": 10}
